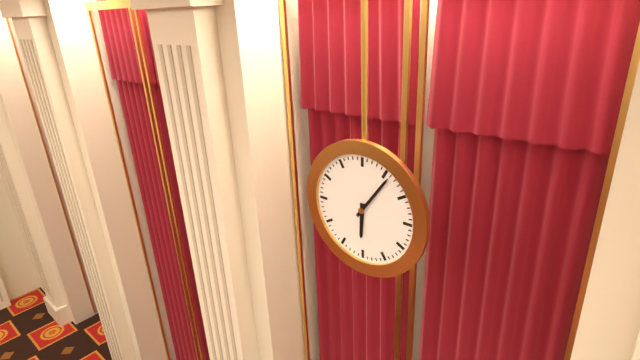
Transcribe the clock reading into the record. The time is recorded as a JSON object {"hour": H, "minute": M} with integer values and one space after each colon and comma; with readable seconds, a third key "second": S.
{"hour": 6, "minute": 6}
